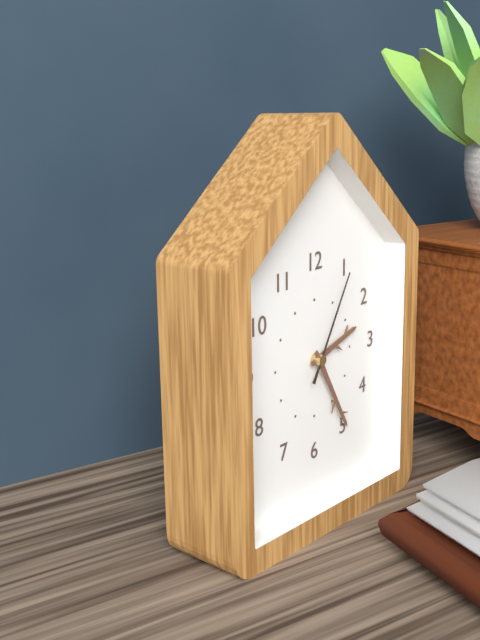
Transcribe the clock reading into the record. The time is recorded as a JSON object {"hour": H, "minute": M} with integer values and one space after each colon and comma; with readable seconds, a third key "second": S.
{"hour": 2, "minute": 25, "second": 5}
